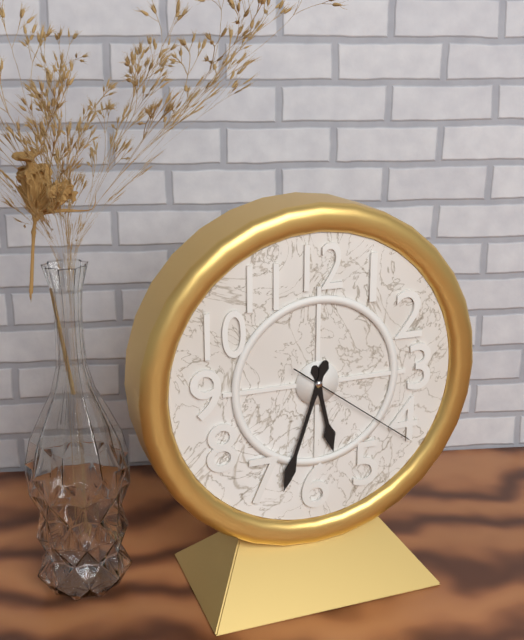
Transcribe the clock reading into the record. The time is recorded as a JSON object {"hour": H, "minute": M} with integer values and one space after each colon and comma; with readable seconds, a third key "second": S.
{"hour": 5, "minute": 33, "second": 21}
